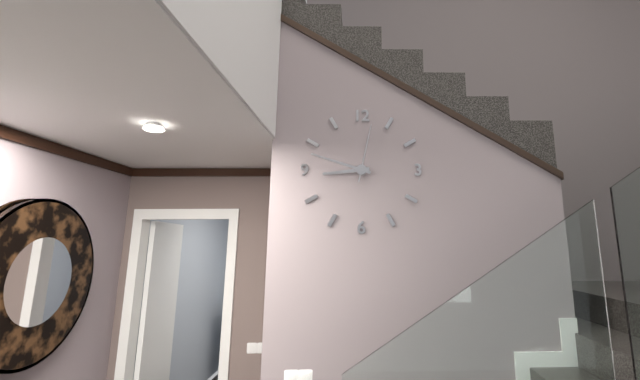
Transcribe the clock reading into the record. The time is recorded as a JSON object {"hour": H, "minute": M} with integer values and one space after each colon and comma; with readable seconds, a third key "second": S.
{"hour": 8, "minute": 48, "second": 2}
